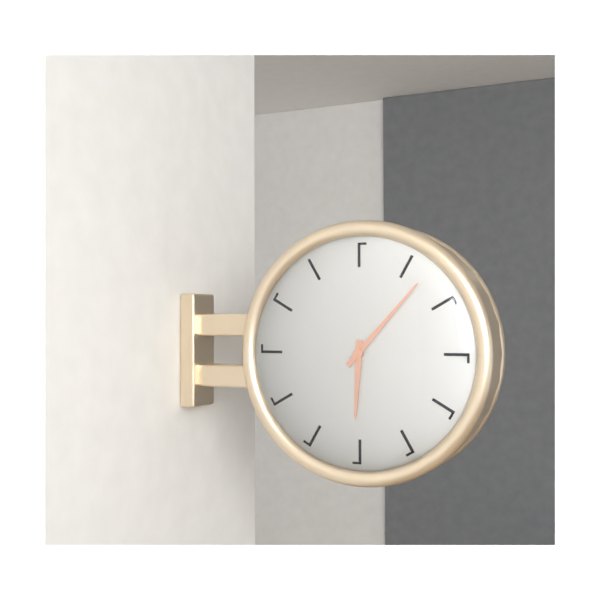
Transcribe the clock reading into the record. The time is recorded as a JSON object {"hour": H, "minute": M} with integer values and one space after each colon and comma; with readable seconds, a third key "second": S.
{"hour": 6, "minute": 7}
